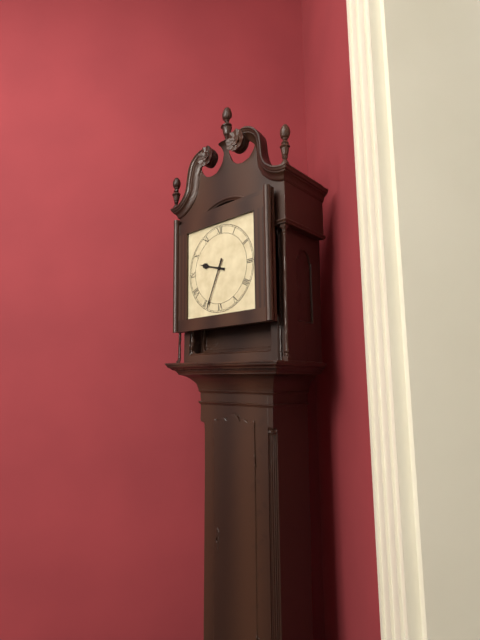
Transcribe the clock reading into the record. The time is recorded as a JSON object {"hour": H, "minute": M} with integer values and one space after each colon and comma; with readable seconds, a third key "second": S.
{"hour": 9, "minute": 34}
